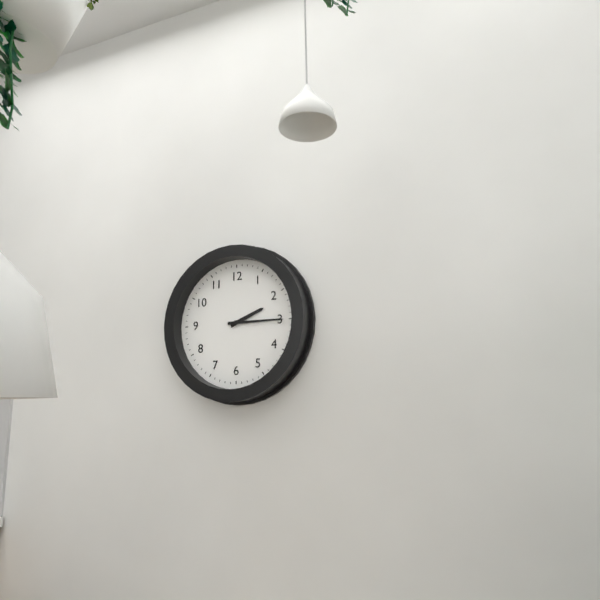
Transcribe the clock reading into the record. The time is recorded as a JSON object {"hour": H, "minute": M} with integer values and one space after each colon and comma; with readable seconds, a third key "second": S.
{"hour": 2, "minute": 15}
